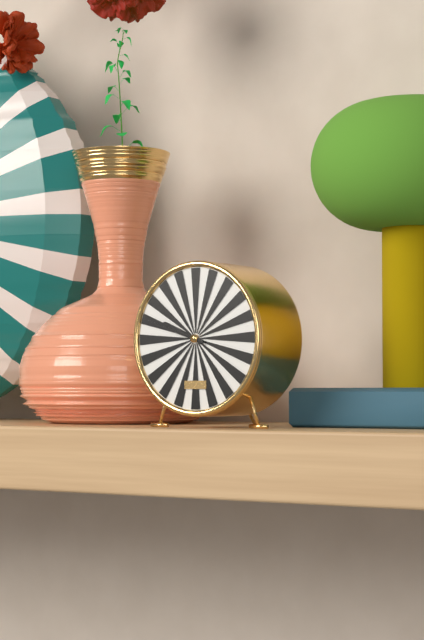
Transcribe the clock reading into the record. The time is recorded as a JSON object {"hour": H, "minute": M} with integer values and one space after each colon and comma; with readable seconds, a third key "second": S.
{"hour": 9, "minute": 48}
